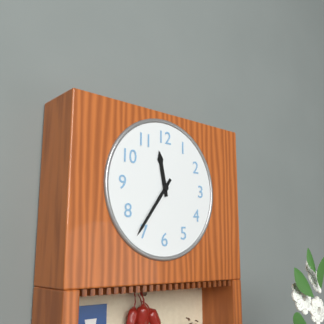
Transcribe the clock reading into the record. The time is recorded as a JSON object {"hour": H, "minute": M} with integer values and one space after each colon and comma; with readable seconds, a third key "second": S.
{"hour": 11, "minute": 36}
